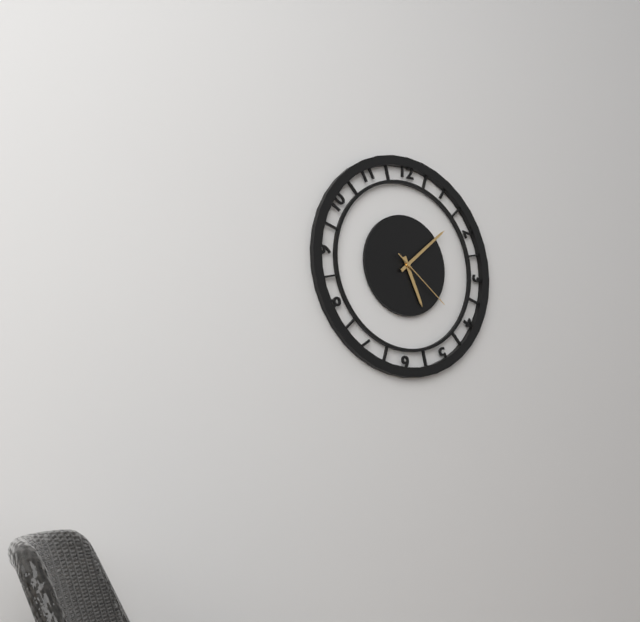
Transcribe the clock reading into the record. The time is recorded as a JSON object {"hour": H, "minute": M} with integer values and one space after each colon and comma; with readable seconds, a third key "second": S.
{"hour": 5, "minute": 8, "second": 21}
